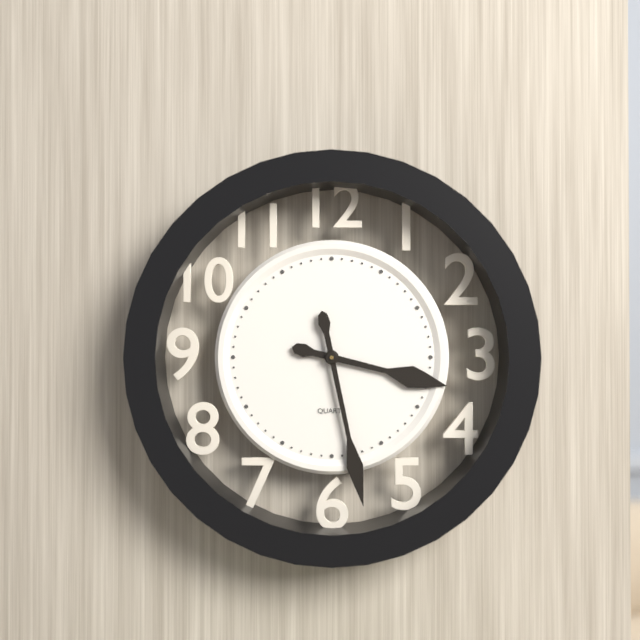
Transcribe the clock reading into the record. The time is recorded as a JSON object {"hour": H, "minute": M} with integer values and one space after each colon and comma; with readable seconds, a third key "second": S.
{"hour": 3, "minute": 28}
